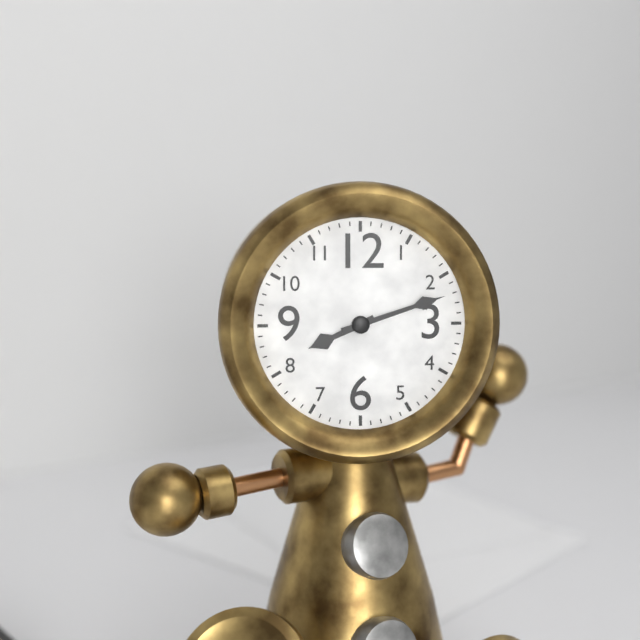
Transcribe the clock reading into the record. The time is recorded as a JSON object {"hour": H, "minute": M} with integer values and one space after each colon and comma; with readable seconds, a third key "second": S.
{"hour": 8, "minute": 12}
